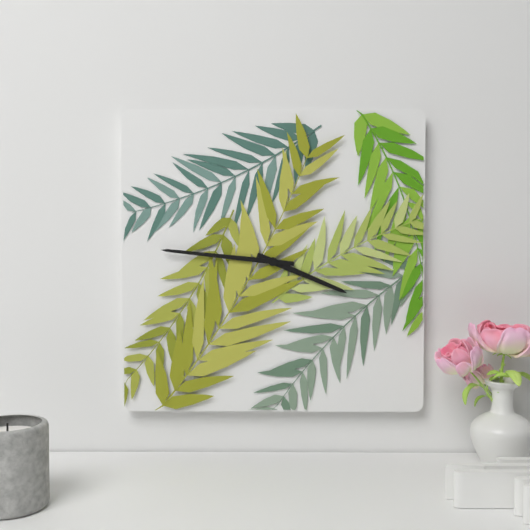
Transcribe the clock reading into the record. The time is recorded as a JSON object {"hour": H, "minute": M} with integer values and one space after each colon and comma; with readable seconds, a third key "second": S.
{"hour": 3, "minute": 46}
